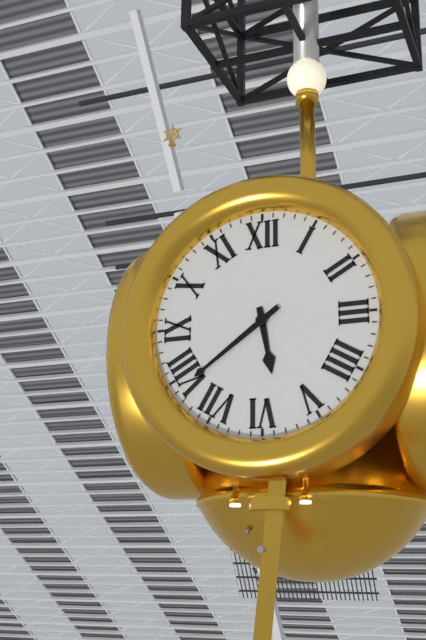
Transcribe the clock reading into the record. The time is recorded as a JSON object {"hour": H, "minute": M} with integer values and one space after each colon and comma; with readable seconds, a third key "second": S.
{"hour": 5, "minute": 39}
